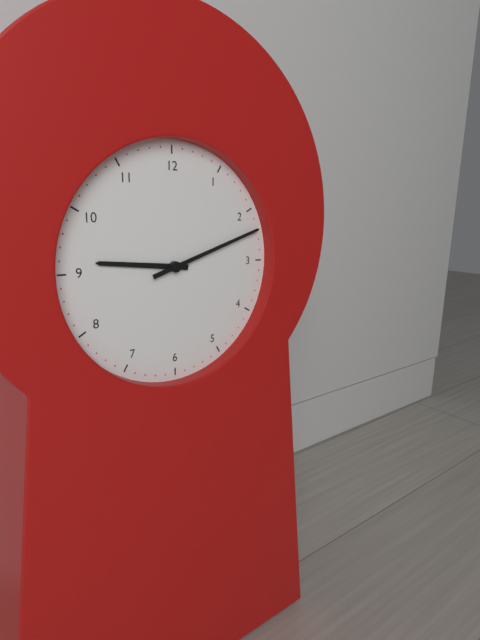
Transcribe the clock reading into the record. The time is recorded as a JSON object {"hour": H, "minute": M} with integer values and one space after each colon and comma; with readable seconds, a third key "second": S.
{"hour": 9, "minute": 12}
